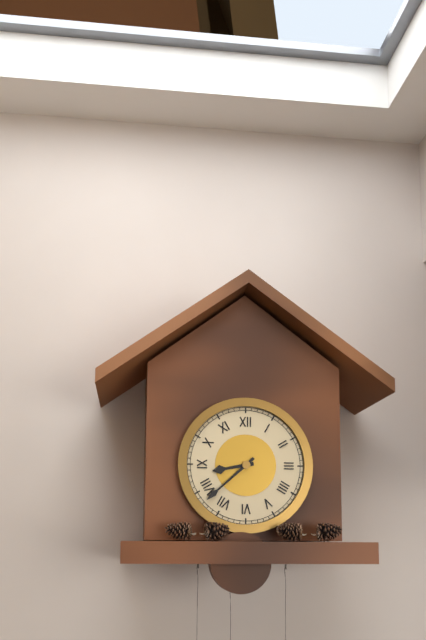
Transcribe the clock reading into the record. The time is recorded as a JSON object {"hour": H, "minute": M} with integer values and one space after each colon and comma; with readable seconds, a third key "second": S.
{"hour": 8, "minute": 38}
